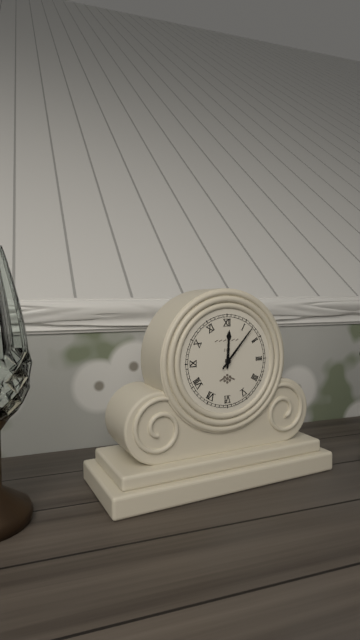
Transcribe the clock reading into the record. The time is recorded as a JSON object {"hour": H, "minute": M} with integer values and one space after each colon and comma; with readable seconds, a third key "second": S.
{"hour": 12, "minute": 7}
